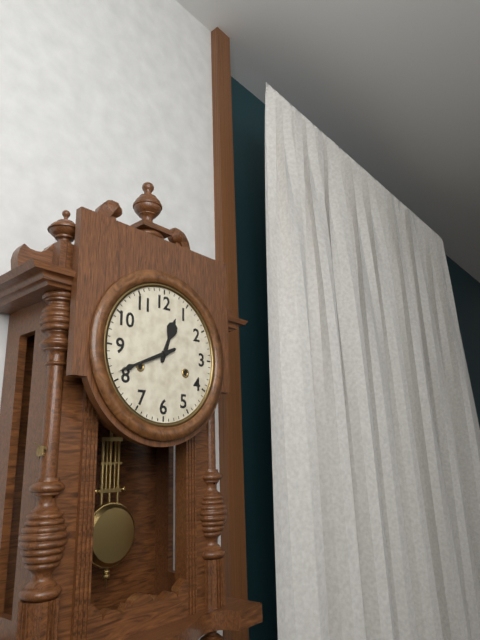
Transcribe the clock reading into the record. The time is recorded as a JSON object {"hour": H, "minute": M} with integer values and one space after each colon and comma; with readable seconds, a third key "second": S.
{"hour": 12, "minute": 41}
